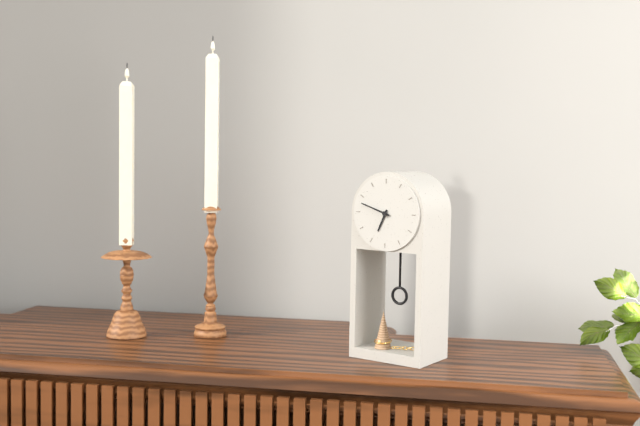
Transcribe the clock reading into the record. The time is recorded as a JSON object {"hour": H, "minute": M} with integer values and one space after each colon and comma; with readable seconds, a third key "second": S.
{"hour": 6, "minute": 48}
